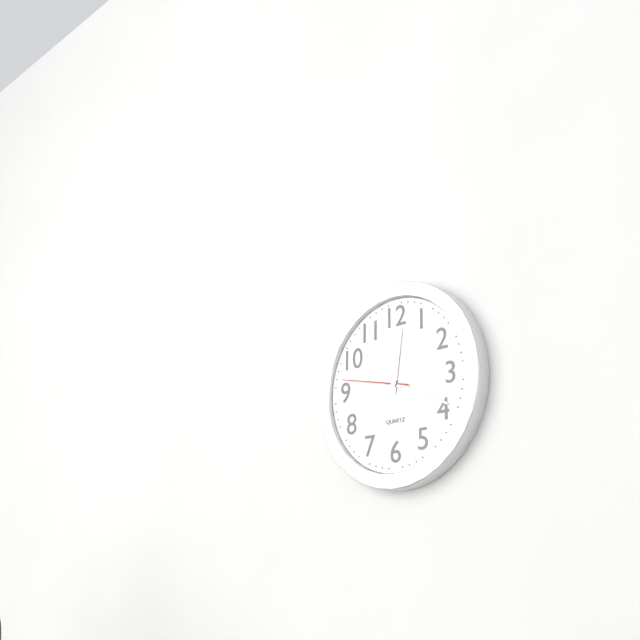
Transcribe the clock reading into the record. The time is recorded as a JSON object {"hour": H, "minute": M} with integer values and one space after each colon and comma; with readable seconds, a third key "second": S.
{"hour": 12, "minute": 19, "second": 47}
